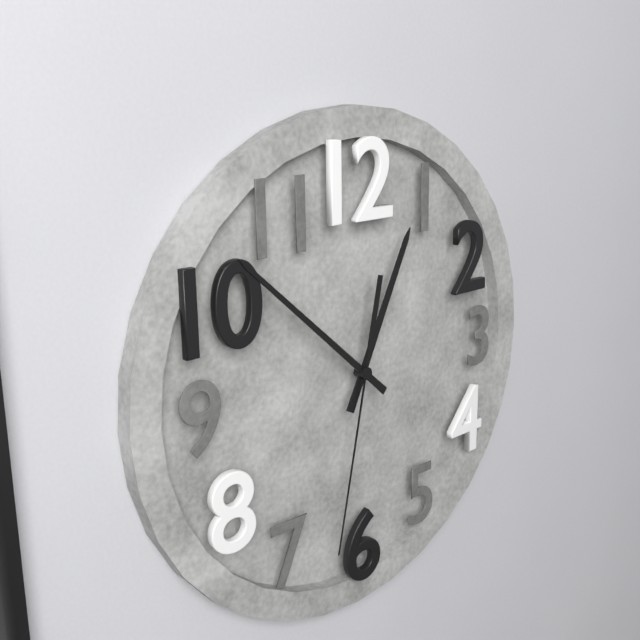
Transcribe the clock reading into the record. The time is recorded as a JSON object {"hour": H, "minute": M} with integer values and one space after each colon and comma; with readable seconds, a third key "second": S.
{"hour": 12, "minute": 52, "second": 32}
